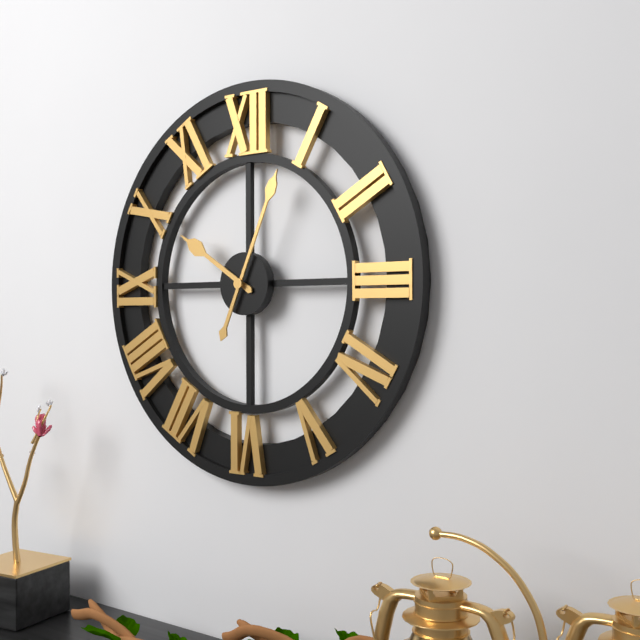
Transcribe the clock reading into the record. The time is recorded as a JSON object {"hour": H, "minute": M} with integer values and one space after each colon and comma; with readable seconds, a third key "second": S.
{"hour": 10, "minute": 4}
